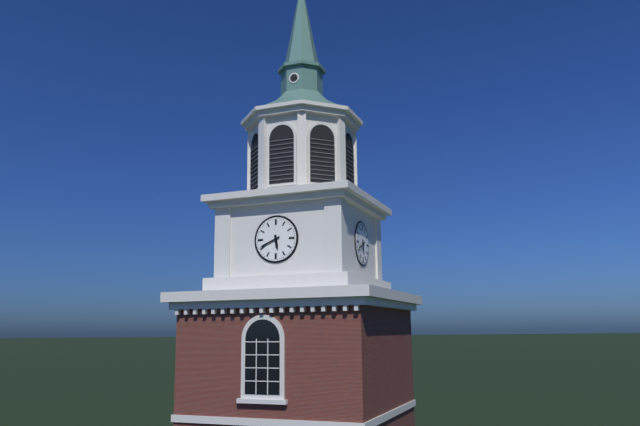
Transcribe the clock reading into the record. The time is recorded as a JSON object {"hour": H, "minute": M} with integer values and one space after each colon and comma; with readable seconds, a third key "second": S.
{"hour": 5, "minute": 41}
